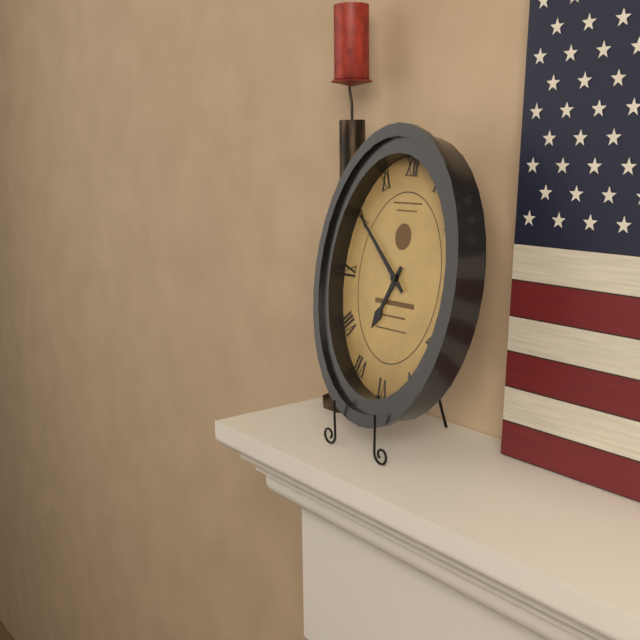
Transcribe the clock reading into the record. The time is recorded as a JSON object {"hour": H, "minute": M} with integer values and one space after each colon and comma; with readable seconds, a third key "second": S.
{"hour": 6, "minute": 52}
